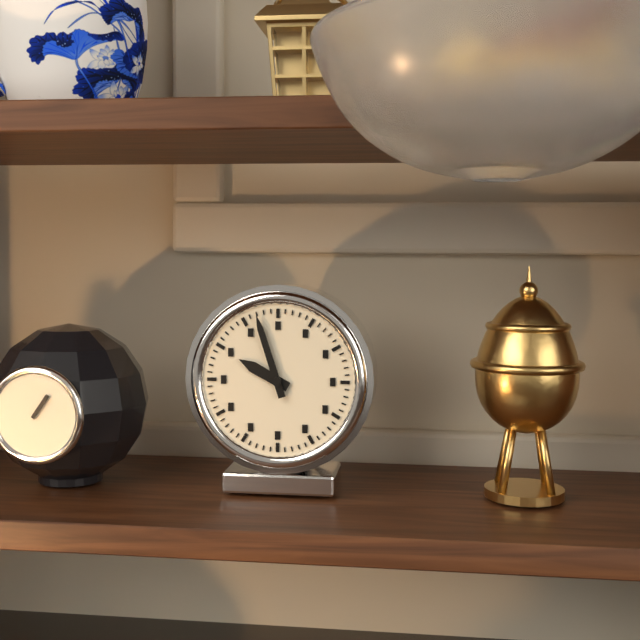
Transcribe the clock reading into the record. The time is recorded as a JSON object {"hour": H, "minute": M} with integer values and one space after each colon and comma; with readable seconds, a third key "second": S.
{"hour": 9, "minute": 57}
